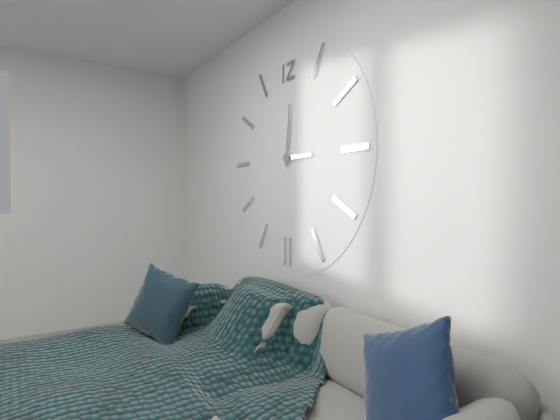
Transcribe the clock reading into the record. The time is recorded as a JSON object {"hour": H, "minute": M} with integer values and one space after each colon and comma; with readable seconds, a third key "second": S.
{"hour": 3, "minute": 1}
